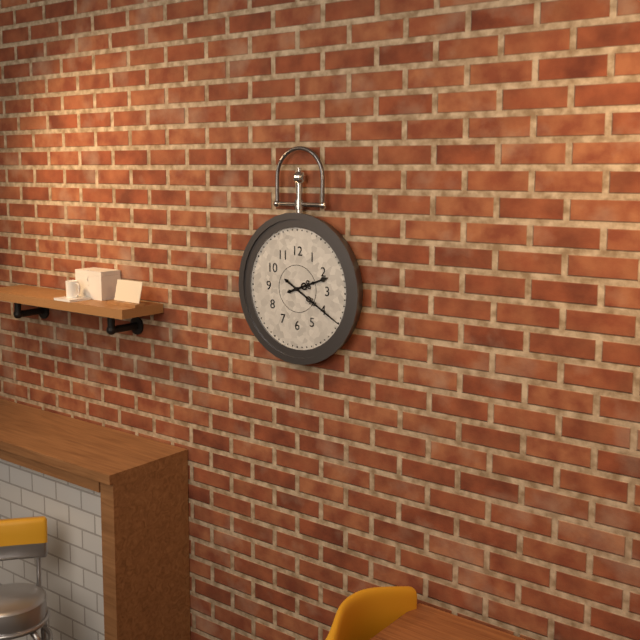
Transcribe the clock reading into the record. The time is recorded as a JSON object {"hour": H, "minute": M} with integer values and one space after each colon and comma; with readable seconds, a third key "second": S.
{"hour": 2, "minute": 20}
